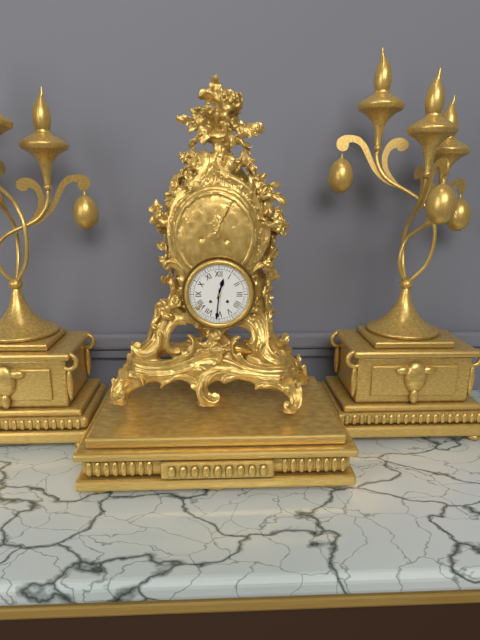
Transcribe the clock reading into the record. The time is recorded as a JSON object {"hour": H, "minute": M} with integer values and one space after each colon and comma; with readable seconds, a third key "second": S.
{"hour": 12, "minute": 31}
